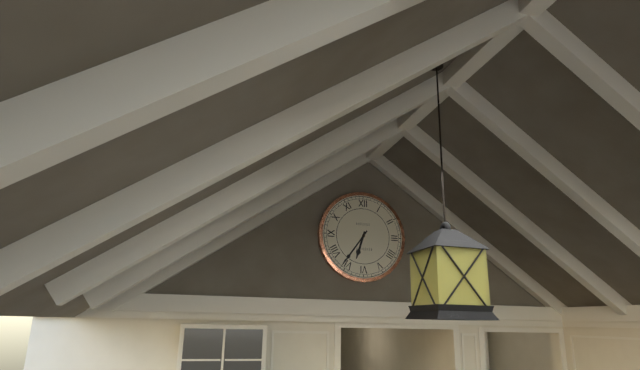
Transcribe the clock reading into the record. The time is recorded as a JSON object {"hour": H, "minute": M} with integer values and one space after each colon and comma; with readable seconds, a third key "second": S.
{"hour": 6, "minute": 36}
